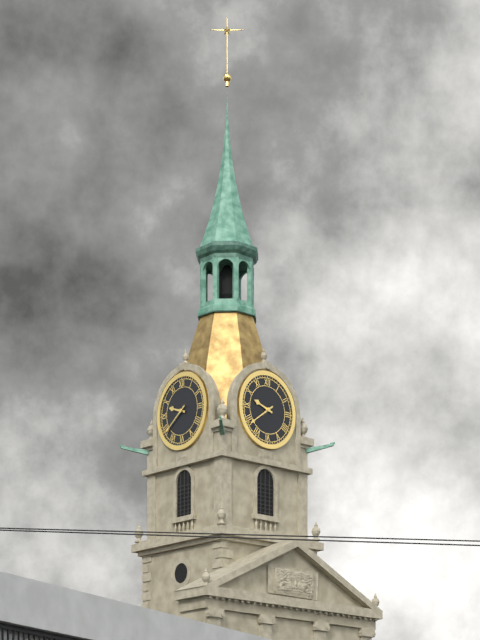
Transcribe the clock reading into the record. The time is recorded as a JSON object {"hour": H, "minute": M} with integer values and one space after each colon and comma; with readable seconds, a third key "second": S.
{"hour": 9, "minute": 39}
